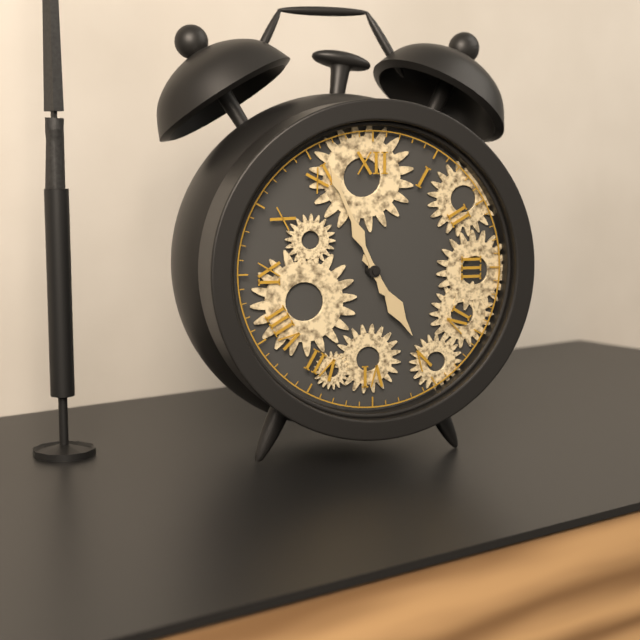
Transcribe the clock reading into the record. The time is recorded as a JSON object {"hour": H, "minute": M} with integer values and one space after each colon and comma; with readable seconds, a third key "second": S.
{"hour": 4, "minute": 56}
